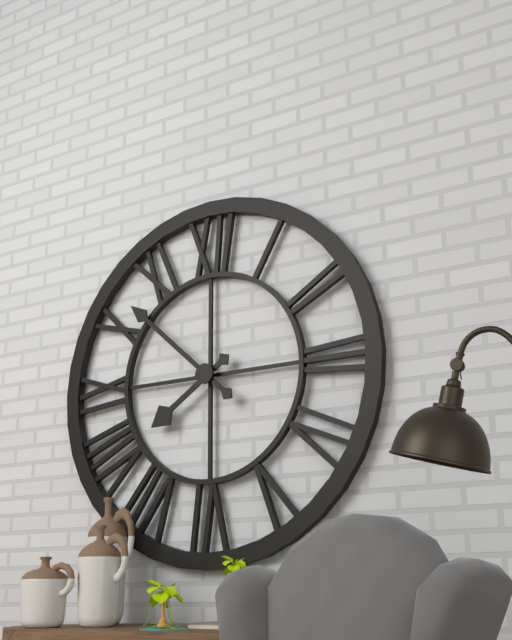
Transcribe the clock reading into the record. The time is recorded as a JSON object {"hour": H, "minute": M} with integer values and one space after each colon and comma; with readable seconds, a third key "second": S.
{"hour": 7, "minute": 52}
